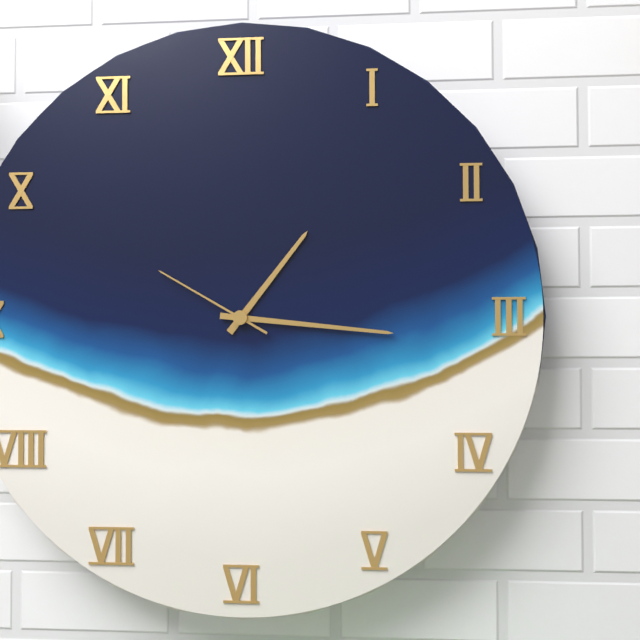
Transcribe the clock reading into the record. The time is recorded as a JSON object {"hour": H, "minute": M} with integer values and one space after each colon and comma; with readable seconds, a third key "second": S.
{"hour": 1, "minute": 16, "second": 50}
